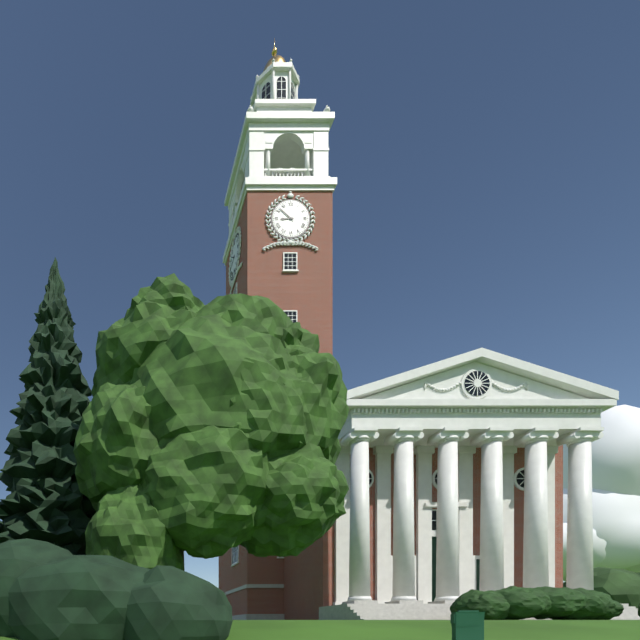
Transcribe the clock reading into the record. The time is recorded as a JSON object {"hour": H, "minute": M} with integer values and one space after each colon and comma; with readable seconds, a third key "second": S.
{"hour": 8, "minute": 52}
